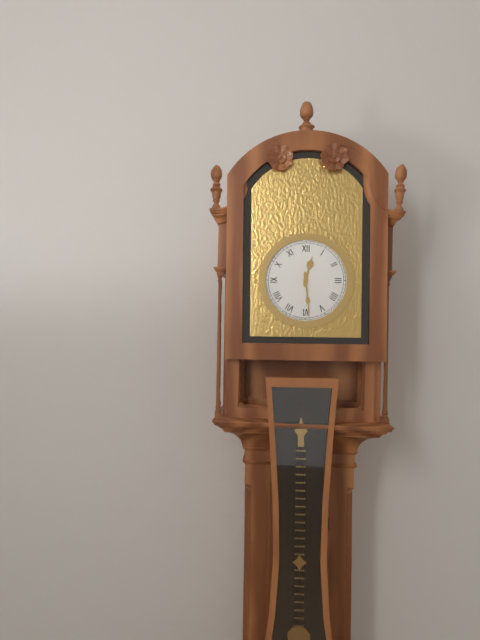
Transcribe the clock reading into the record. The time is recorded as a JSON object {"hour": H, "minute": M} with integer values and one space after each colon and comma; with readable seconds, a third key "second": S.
{"hour": 12, "minute": 29}
